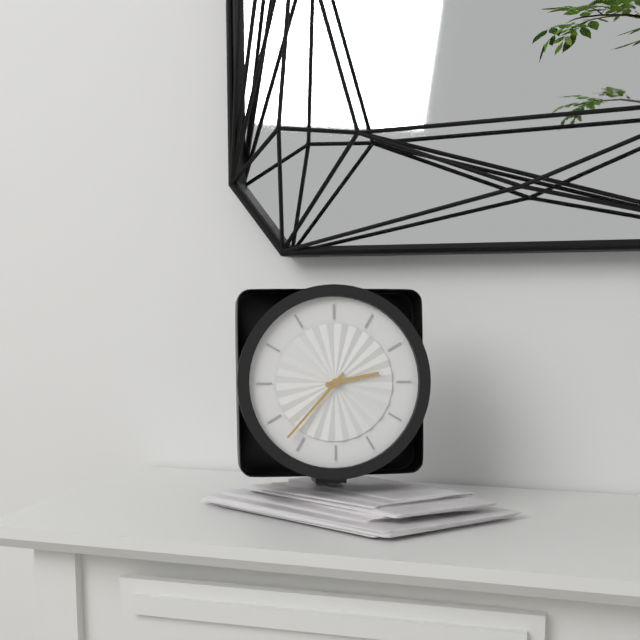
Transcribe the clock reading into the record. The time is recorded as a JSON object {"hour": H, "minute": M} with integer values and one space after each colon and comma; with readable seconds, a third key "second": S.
{"hour": 2, "minute": 37}
